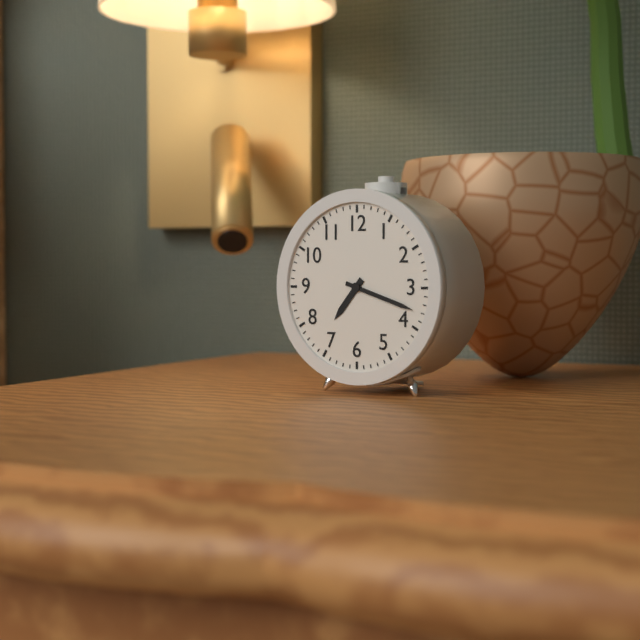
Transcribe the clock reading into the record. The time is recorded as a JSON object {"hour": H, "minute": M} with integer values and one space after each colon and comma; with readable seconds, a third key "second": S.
{"hour": 7, "minute": 18}
